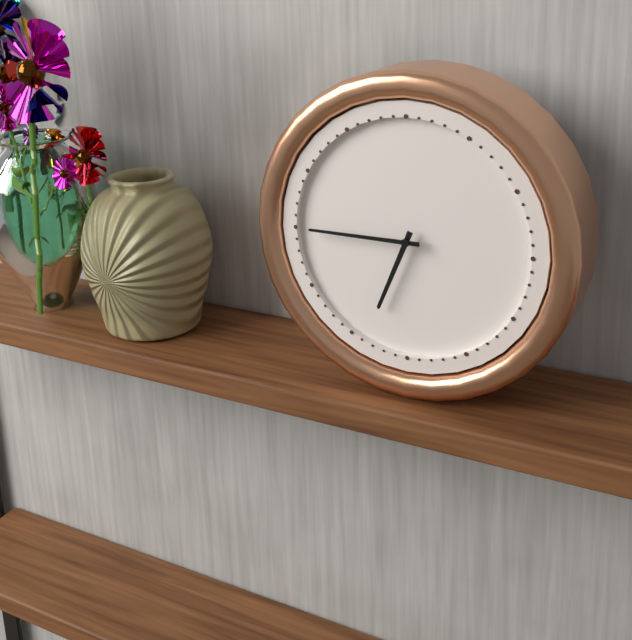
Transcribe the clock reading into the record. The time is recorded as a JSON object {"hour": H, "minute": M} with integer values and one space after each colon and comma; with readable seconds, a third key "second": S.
{"hour": 6, "minute": 45}
